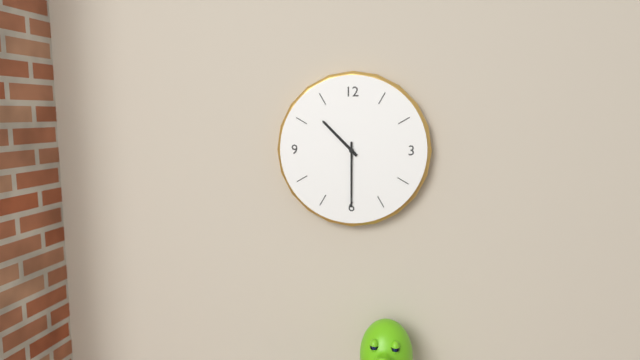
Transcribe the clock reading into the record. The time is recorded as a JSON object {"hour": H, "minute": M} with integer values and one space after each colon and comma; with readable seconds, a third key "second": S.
{"hour": 10, "minute": 30}
